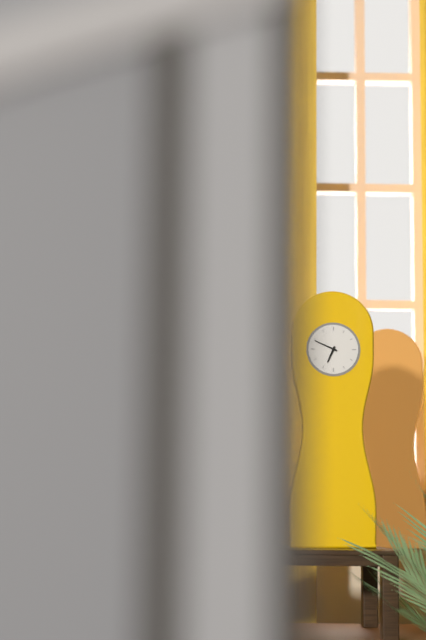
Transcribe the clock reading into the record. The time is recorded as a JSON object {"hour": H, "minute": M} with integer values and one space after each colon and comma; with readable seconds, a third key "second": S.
{"hour": 6, "minute": 49}
